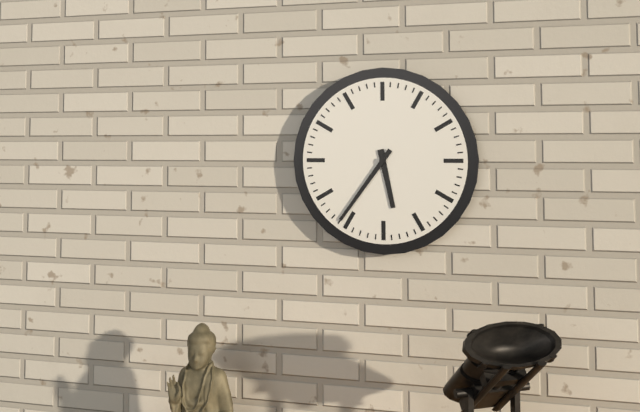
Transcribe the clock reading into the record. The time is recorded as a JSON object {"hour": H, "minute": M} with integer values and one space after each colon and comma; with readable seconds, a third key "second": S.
{"hour": 5, "minute": 36}
